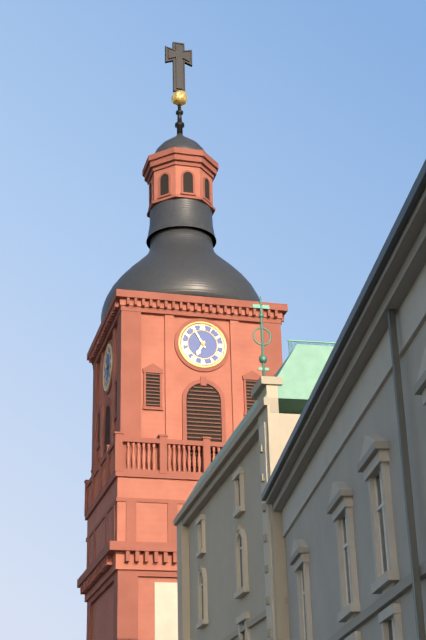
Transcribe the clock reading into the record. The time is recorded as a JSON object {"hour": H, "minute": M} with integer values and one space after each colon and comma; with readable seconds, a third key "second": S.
{"hour": 6, "minute": 55}
